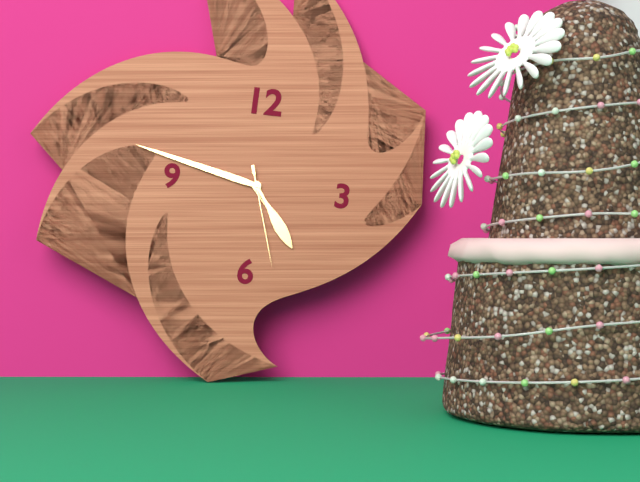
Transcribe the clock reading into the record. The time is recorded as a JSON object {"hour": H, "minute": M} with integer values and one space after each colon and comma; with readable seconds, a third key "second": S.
{"hour": 4, "minute": 47, "second": 27}
